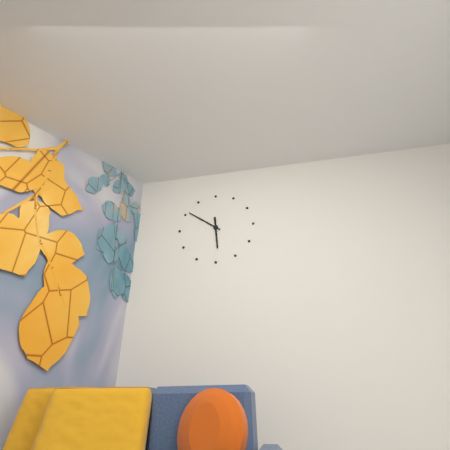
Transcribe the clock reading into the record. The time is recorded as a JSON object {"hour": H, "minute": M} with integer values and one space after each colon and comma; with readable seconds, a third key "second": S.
{"hour": 5, "minute": 51}
